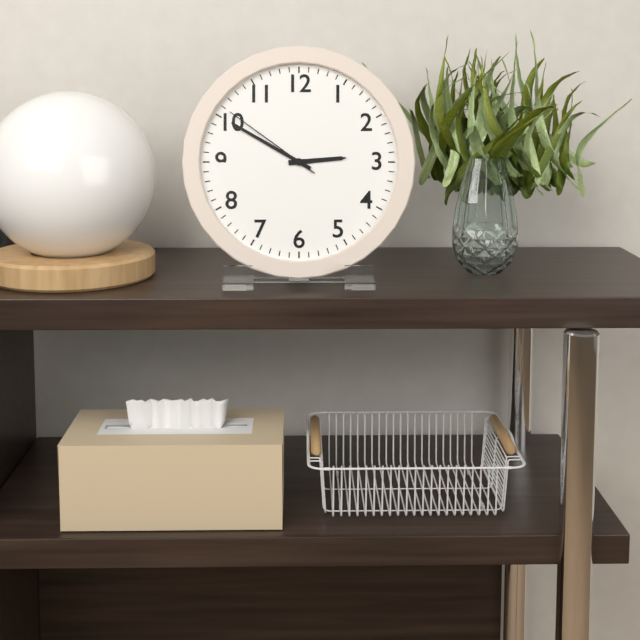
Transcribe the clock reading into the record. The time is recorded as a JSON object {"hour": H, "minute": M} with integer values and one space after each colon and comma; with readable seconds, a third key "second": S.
{"hour": 2, "minute": 50, "second": 51}
